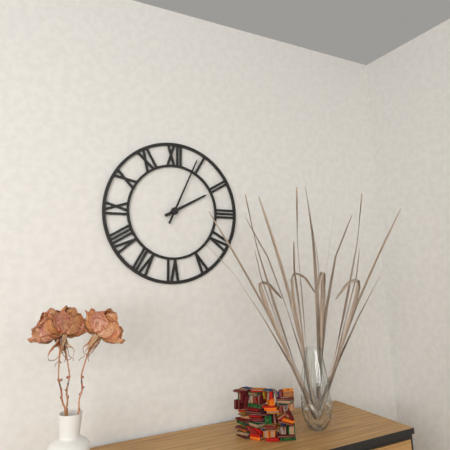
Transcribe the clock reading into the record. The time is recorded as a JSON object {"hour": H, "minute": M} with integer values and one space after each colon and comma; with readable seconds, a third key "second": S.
{"hour": 2, "minute": 4}
